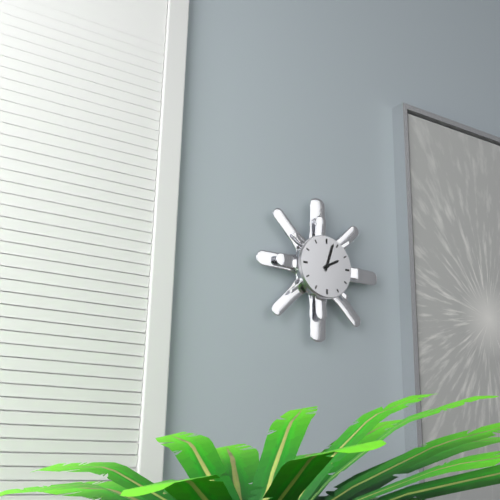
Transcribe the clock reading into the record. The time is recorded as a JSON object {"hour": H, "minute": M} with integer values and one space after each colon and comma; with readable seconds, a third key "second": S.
{"hour": 2, "minute": 3}
